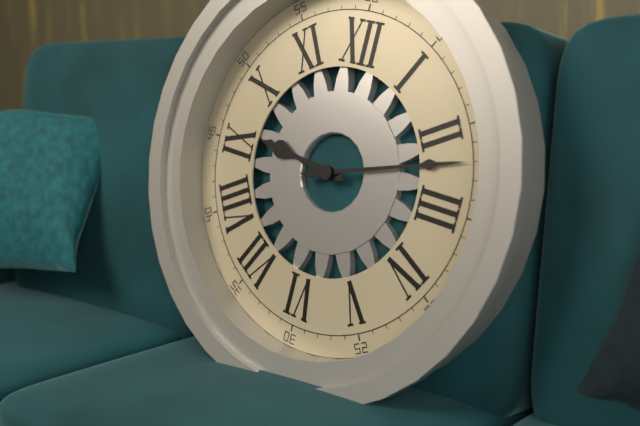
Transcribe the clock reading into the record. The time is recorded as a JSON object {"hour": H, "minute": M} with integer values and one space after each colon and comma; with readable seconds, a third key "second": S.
{"hour": 9, "minute": 12}
